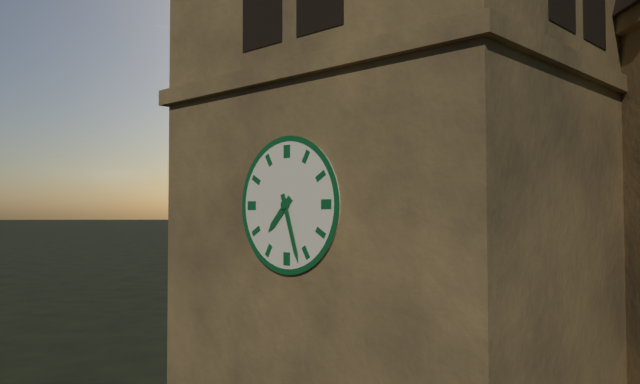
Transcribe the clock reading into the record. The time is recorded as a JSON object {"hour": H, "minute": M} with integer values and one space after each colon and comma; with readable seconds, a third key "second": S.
{"hour": 7, "minute": 27}
